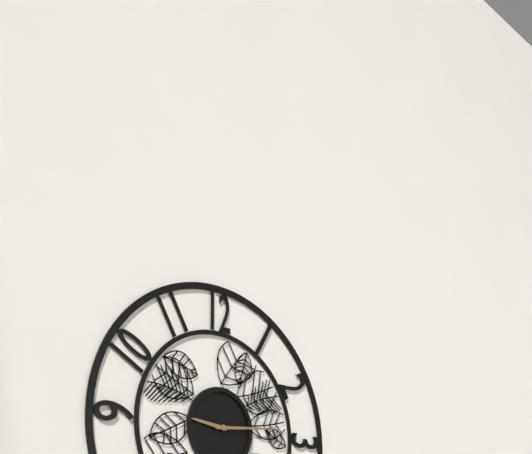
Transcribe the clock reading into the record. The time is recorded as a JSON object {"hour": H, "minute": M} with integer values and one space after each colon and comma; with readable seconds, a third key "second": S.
{"hour": 9, "minute": 14}
